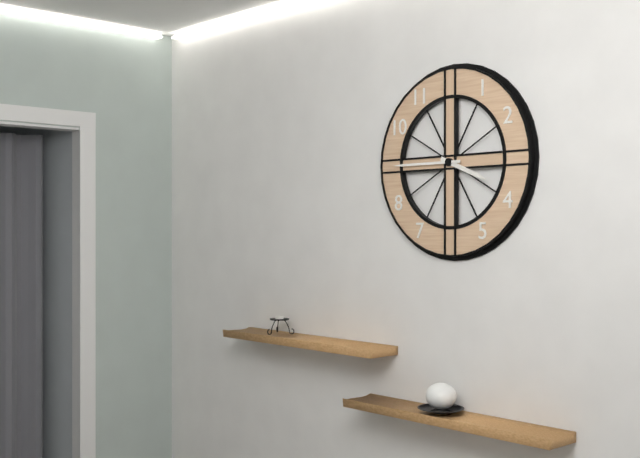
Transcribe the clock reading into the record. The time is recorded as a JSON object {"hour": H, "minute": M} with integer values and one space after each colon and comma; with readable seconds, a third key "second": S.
{"hour": 3, "minute": 45}
